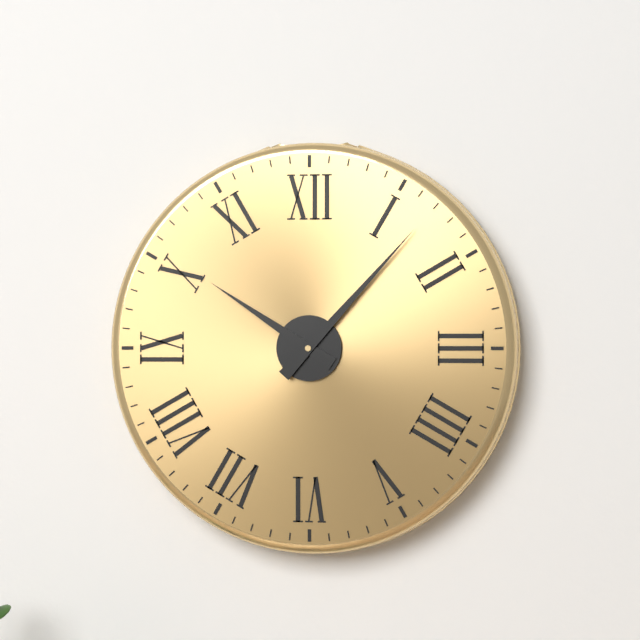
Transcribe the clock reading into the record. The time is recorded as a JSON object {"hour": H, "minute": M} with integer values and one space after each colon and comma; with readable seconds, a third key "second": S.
{"hour": 10, "minute": 7}
